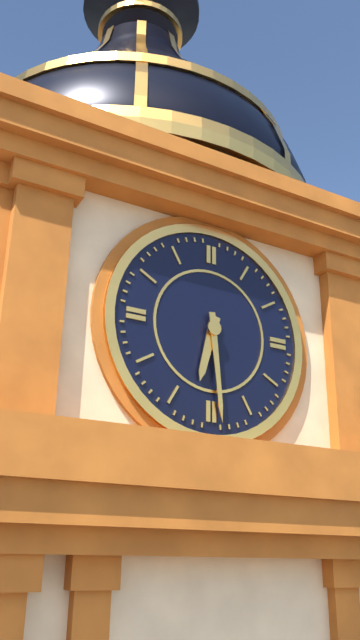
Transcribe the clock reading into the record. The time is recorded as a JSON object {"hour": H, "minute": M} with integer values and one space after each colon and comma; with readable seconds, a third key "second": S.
{"hour": 6, "minute": 29}
